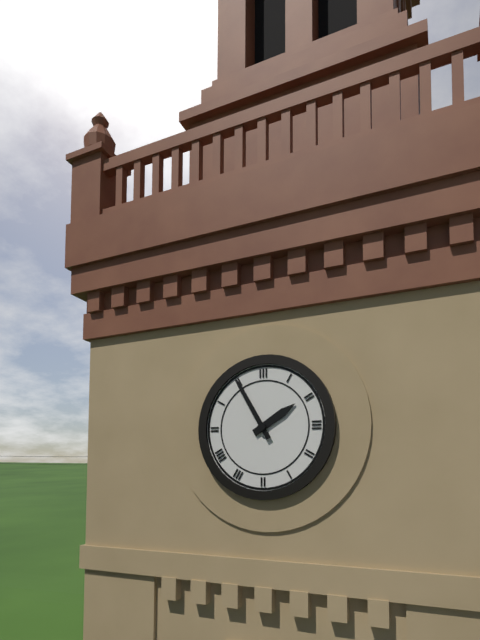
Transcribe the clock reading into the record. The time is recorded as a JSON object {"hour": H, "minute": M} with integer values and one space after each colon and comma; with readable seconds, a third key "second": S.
{"hour": 1, "minute": 55}
